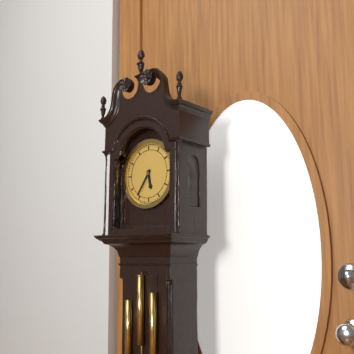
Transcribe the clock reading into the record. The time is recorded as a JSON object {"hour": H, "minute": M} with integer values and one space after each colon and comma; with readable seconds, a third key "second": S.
{"hour": 5, "minute": 36}
